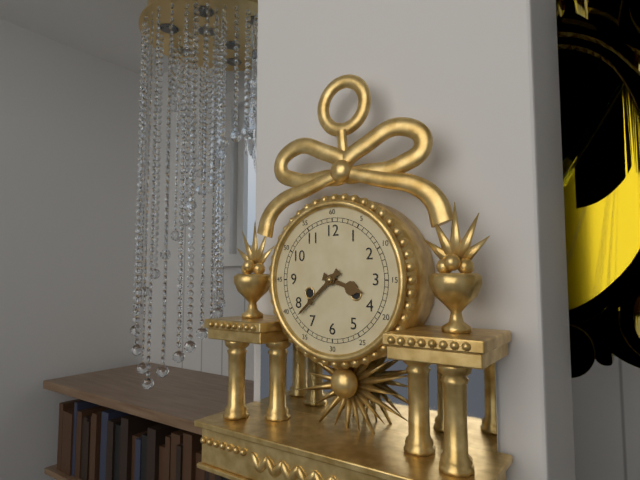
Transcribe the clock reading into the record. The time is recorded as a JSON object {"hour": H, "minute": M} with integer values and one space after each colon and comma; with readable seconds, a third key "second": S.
{"hour": 3, "minute": 38}
